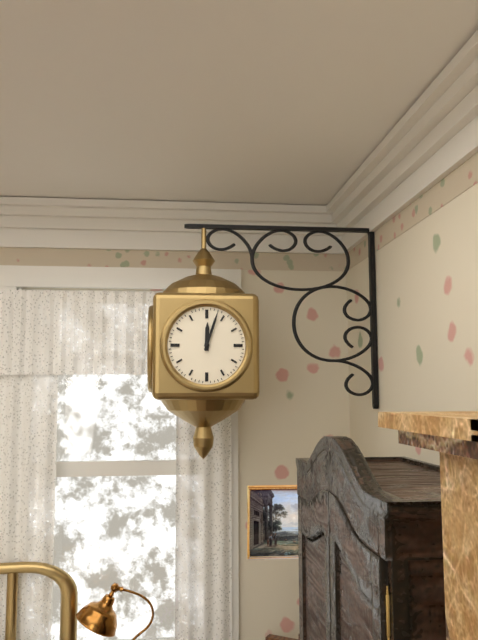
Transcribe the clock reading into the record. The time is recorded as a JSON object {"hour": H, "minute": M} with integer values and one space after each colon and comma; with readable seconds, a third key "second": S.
{"hour": 12, "minute": 3}
